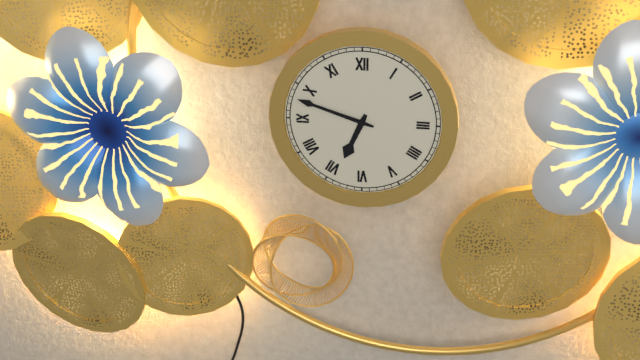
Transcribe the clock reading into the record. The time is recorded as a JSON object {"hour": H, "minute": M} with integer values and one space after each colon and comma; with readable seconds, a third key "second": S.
{"hour": 6, "minute": 48}
